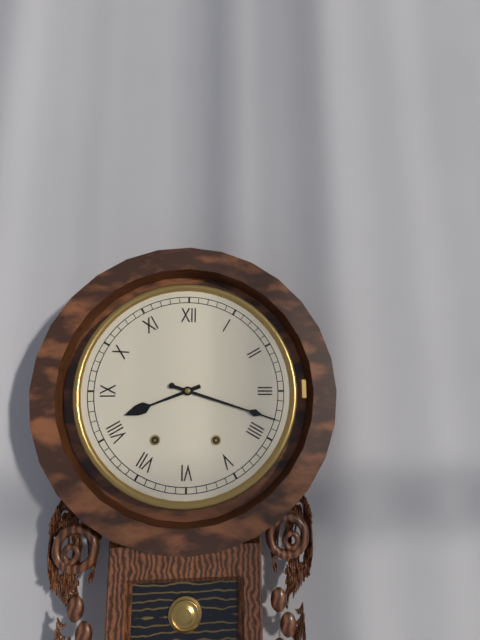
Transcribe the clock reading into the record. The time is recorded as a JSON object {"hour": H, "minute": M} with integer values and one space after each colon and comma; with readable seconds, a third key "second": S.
{"hour": 8, "minute": 18}
